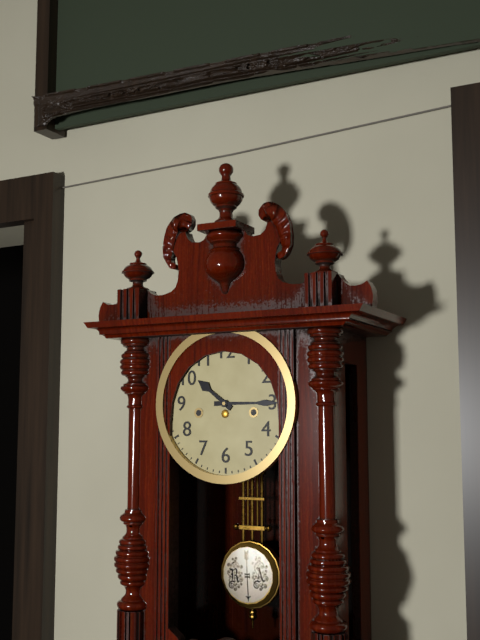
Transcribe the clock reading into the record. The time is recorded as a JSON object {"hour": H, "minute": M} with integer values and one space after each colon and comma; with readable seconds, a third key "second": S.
{"hour": 10, "minute": 15}
